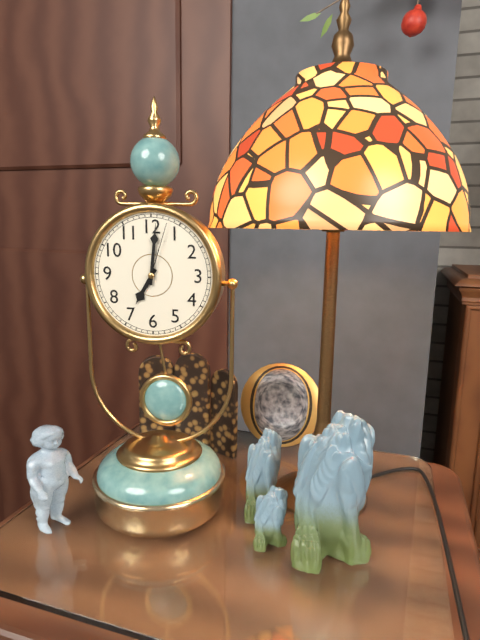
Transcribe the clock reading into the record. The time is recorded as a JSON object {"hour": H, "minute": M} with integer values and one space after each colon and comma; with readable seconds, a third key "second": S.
{"hour": 7, "minute": 1, "second": 3}
